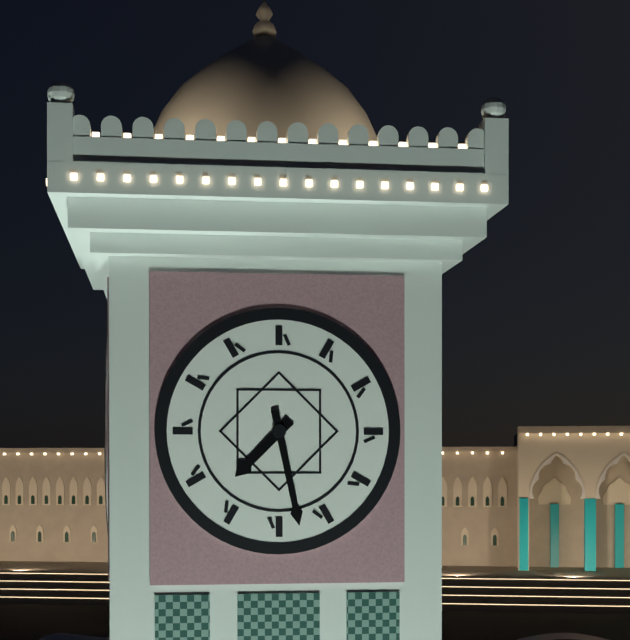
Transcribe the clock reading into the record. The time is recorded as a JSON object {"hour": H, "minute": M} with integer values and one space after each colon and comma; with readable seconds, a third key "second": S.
{"hour": 7, "minute": 28}
